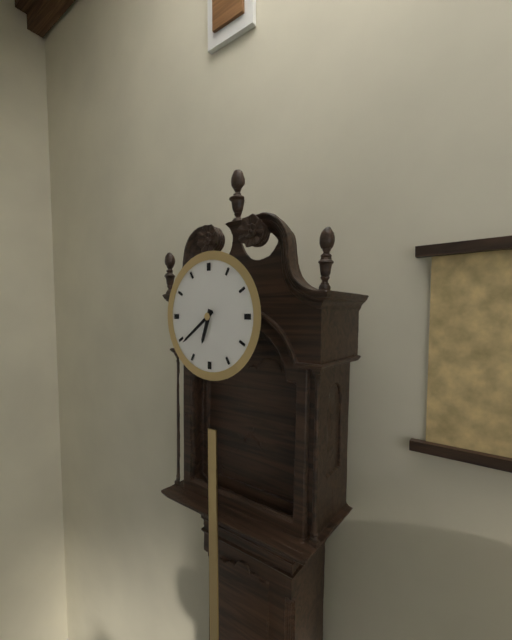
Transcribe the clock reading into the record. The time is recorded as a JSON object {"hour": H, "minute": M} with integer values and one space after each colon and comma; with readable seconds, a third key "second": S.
{"hour": 6, "minute": 39}
